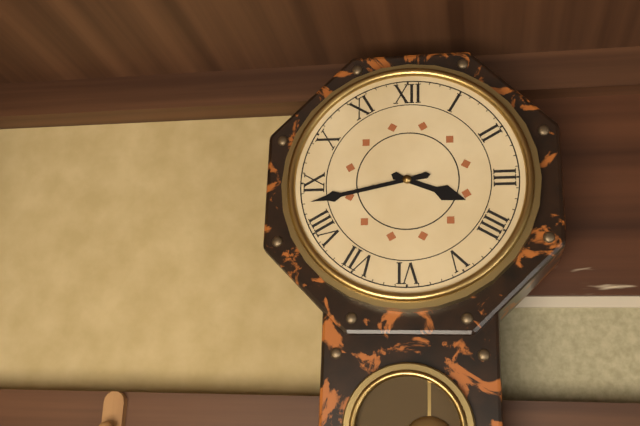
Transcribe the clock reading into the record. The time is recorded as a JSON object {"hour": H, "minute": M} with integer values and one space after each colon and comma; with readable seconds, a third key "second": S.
{"hour": 3, "minute": 43}
